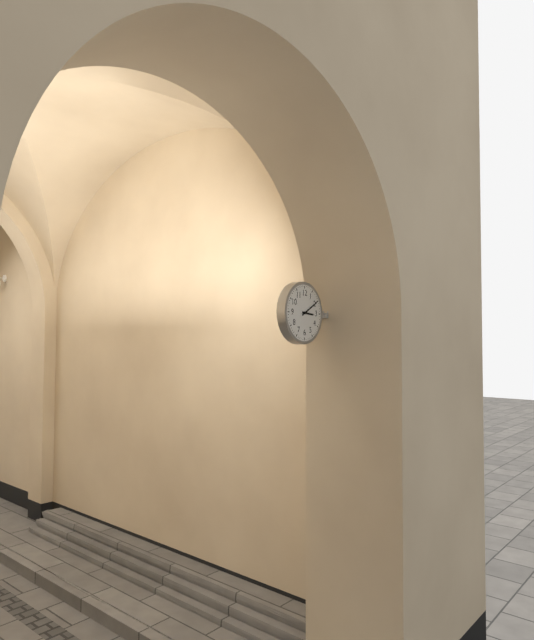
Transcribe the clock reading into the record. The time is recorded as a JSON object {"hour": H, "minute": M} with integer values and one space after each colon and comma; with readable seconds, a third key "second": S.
{"hour": 3, "minute": 10}
